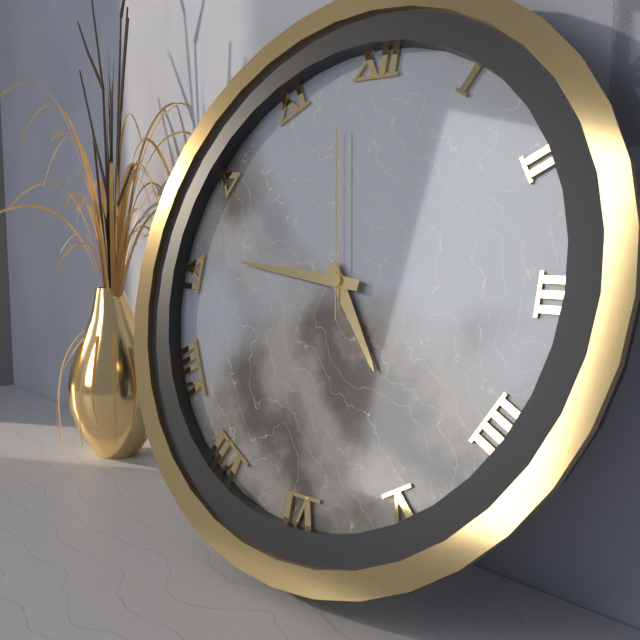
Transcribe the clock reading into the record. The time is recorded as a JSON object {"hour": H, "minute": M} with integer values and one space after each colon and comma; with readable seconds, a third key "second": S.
{"hour": 4, "minute": 46, "second": 58}
